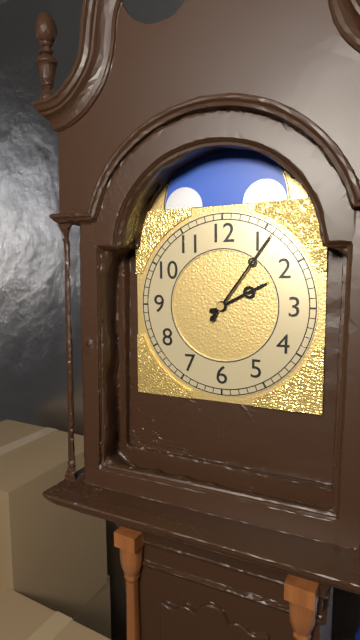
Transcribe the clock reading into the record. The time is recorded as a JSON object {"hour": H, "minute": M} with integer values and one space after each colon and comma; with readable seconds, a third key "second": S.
{"hour": 2, "minute": 6}
